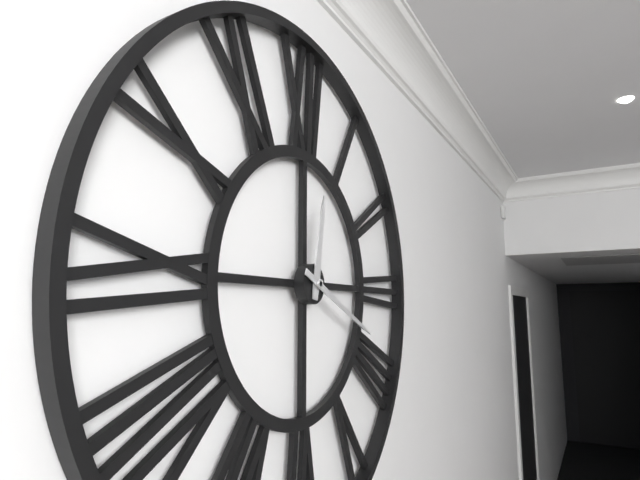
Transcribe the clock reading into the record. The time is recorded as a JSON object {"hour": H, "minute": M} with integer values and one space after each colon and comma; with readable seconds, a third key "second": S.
{"hour": 12, "minute": 19}
